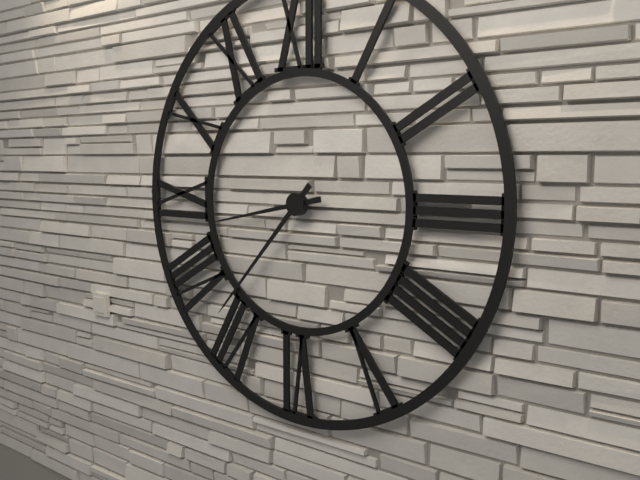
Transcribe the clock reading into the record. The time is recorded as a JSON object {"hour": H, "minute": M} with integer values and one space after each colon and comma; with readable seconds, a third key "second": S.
{"hour": 8, "minute": 37}
